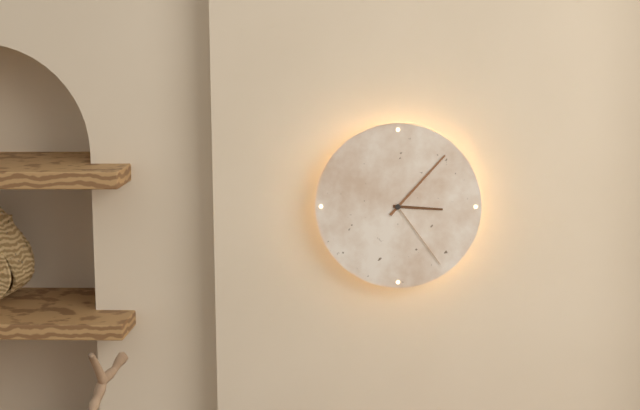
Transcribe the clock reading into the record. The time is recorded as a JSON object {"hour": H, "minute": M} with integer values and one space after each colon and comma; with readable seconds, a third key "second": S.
{"hour": 3, "minute": 7, "second": 24}
